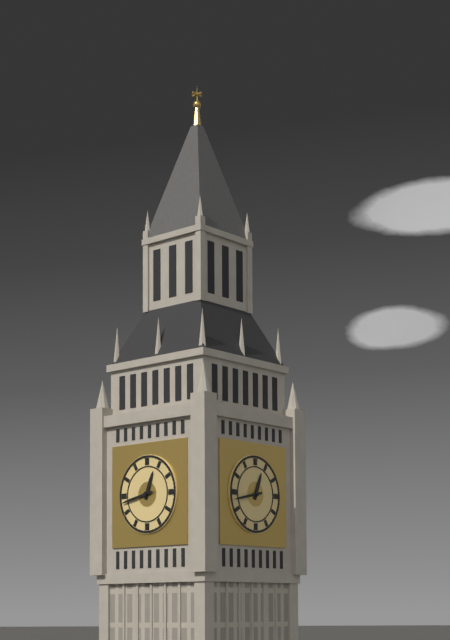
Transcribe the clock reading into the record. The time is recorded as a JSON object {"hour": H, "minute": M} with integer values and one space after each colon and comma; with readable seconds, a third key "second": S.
{"hour": 12, "minute": 43}
